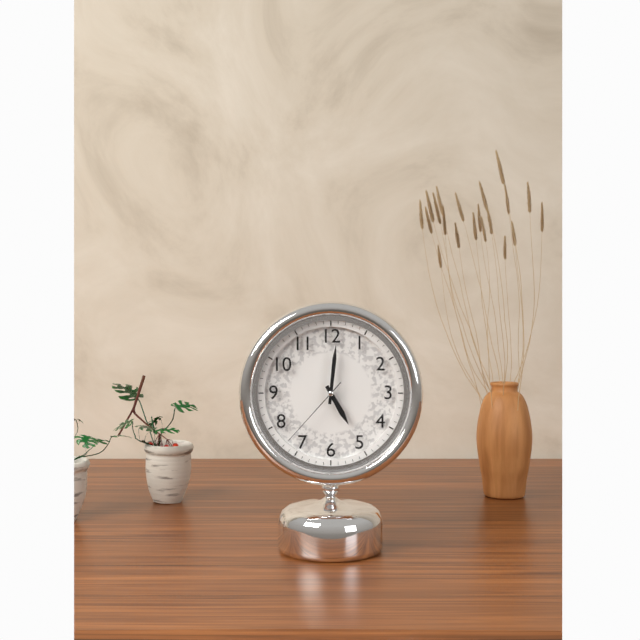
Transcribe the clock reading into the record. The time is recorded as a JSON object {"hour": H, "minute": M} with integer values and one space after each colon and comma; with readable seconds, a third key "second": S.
{"hour": 5, "minute": 1, "second": 37}
